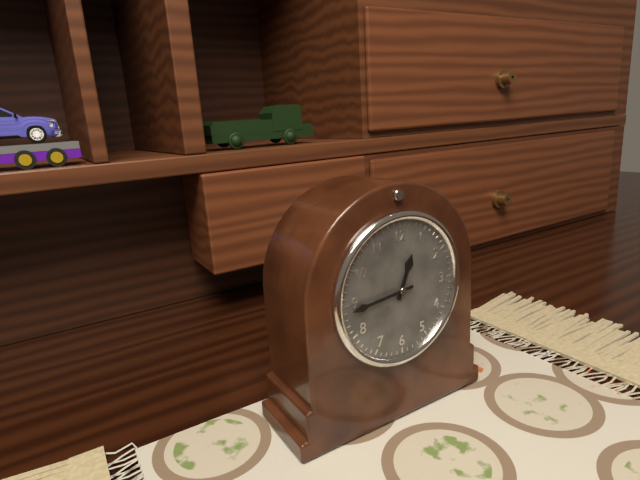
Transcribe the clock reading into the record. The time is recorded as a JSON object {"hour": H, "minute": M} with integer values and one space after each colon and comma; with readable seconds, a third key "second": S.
{"hour": 12, "minute": 44}
